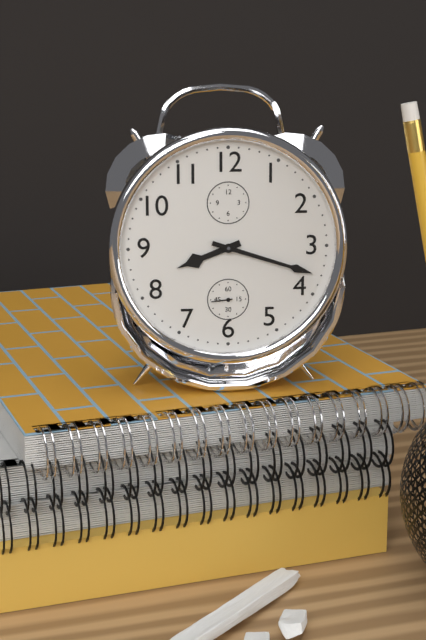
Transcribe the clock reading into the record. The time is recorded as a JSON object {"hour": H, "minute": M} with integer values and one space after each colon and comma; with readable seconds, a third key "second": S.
{"hour": 8, "minute": 18}
